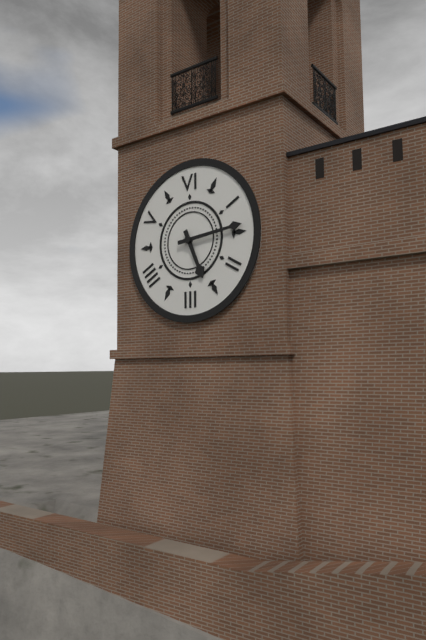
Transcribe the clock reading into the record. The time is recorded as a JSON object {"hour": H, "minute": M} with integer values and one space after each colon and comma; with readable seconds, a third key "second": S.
{"hour": 5, "minute": 14}
